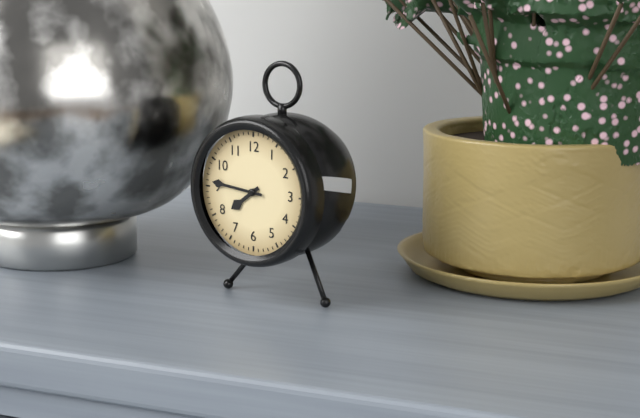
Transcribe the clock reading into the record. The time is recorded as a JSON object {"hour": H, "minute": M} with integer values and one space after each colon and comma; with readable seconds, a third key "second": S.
{"hour": 7, "minute": 46}
